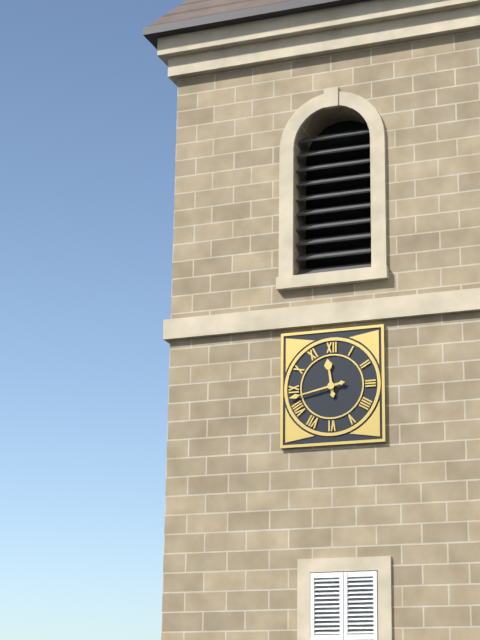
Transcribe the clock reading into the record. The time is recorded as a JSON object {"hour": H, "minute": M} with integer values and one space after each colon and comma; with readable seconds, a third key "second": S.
{"hour": 11, "minute": 43}
